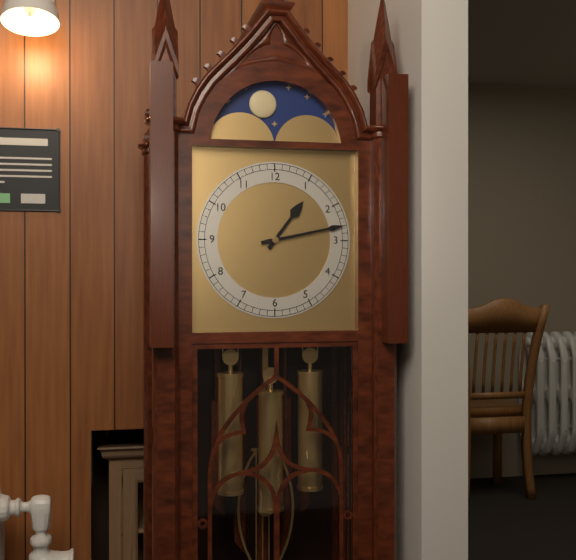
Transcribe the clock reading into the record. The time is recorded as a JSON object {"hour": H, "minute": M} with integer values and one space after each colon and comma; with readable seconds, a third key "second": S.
{"hour": 1, "minute": 13}
